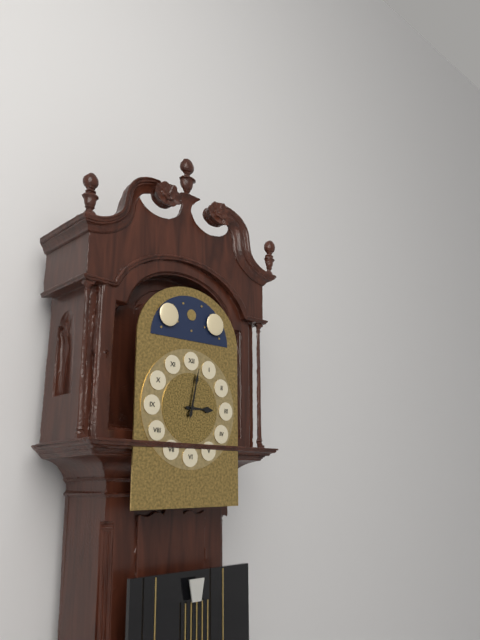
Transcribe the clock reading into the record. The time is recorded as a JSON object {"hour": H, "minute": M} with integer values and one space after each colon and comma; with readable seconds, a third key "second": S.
{"hour": 3, "minute": 2}
